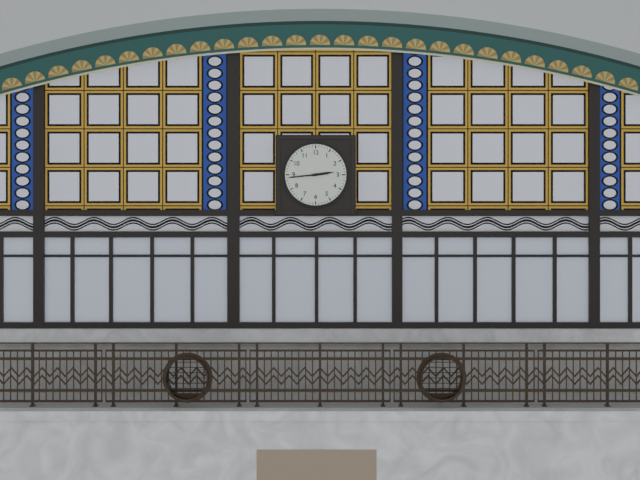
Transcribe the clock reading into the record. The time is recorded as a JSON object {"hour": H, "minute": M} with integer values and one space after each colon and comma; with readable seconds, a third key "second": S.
{"hour": 2, "minute": 44}
